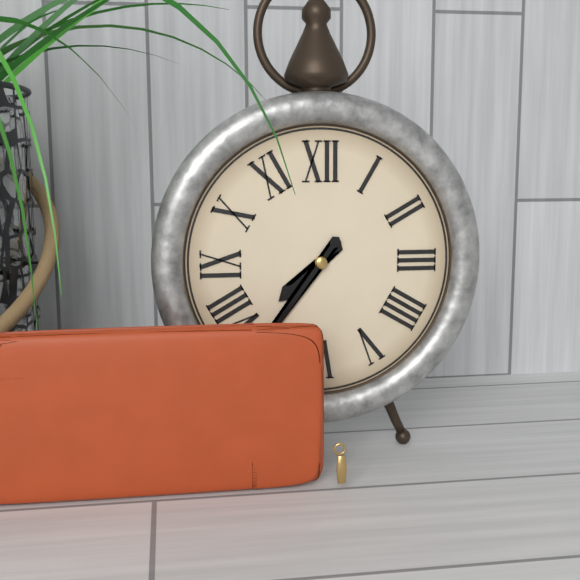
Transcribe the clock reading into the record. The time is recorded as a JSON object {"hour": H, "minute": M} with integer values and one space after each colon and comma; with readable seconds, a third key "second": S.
{"hour": 7, "minute": 36}
